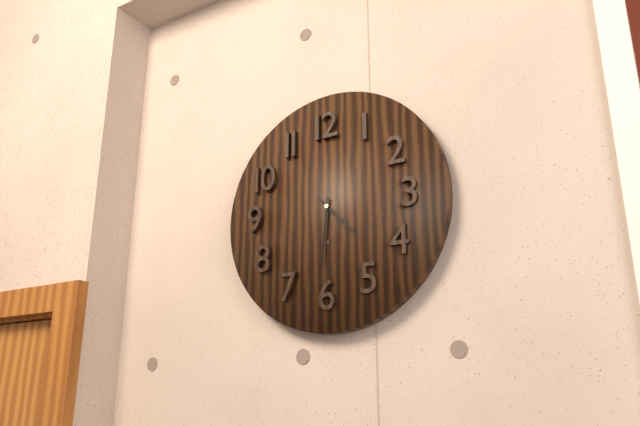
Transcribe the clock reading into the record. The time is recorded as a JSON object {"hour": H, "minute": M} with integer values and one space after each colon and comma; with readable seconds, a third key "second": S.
{"hour": 4, "minute": 31}
